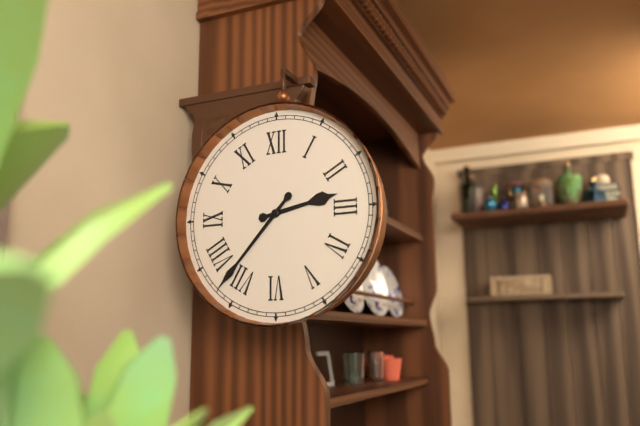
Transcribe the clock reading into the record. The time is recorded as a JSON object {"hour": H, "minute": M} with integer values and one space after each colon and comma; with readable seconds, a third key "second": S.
{"hour": 2, "minute": 37}
